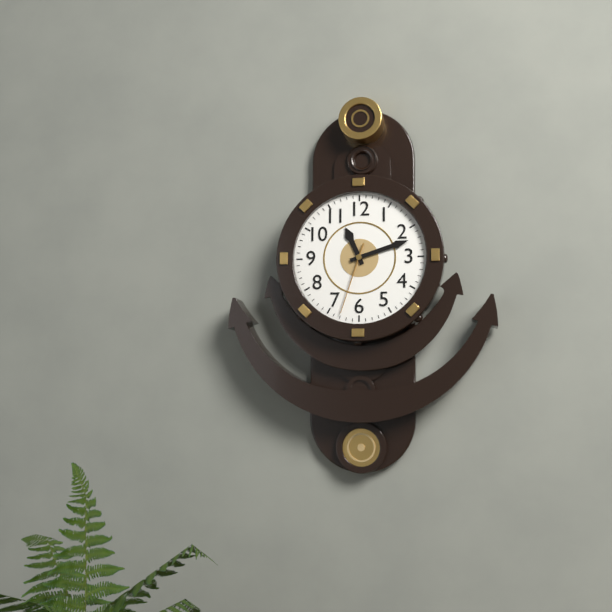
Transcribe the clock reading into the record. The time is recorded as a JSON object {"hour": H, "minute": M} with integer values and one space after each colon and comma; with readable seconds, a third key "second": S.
{"hour": 11, "minute": 12, "second": 33}
